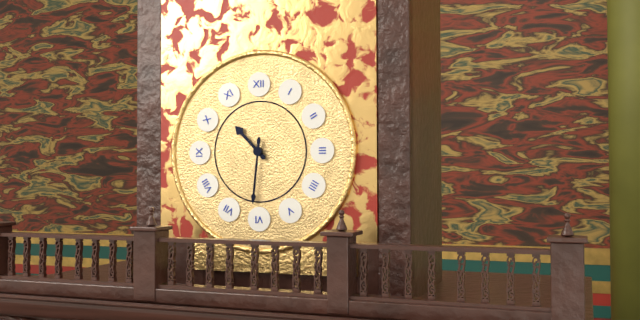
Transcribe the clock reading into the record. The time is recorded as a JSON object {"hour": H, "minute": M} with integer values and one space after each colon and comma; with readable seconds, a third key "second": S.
{"hour": 10, "minute": 31}
